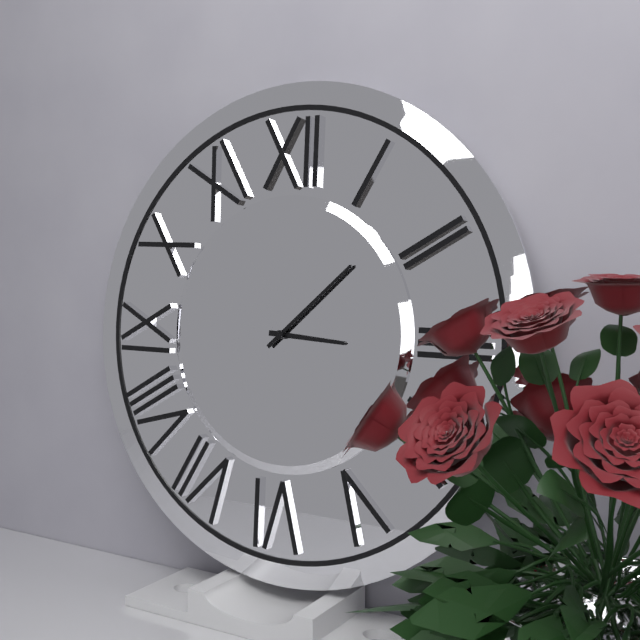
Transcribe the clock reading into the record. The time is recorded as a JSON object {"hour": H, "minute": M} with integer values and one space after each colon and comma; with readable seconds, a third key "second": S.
{"hour": 3, "minute": 8}
